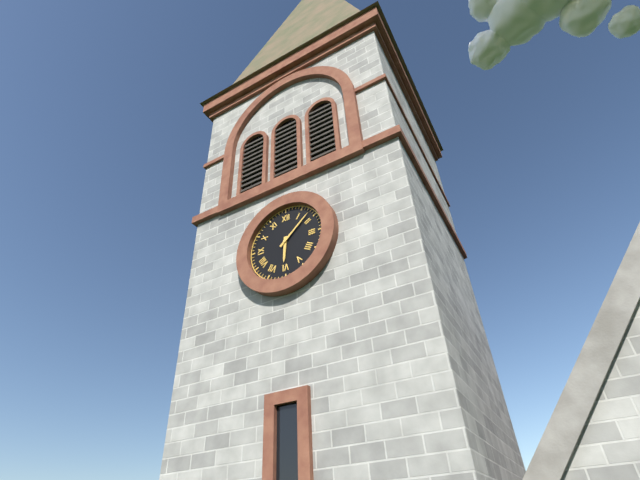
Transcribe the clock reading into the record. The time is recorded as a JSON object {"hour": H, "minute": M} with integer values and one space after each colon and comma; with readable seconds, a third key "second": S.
{"hour": 6, "minute": 8}
